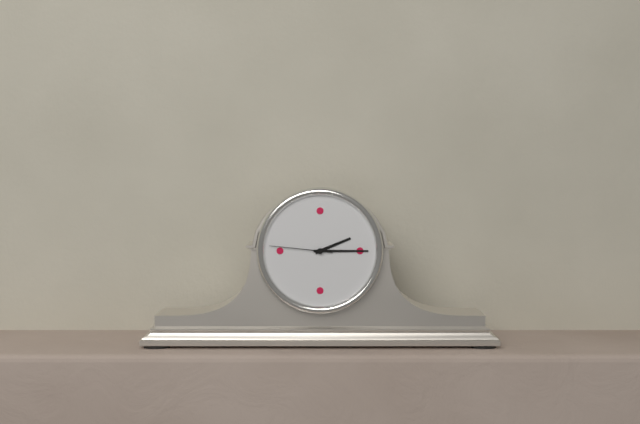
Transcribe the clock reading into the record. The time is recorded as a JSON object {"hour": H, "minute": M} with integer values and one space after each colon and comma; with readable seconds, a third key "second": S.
{"hour": 2, "minute": 15, "second": 46}
